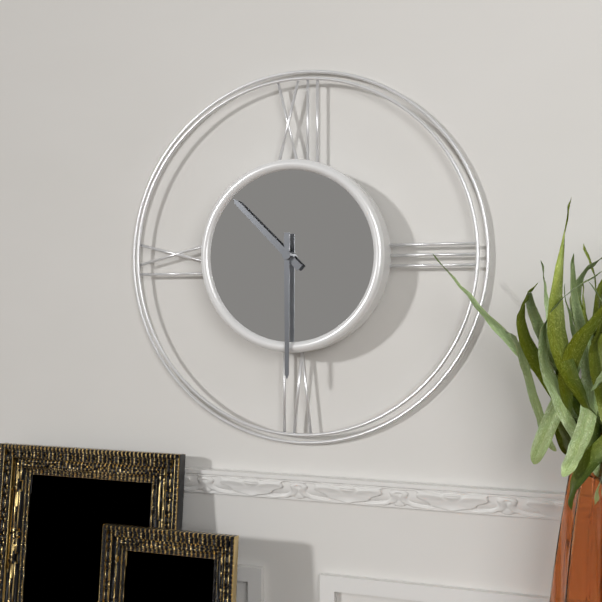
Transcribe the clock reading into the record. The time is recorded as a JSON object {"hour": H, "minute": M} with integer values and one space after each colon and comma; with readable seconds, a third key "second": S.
{"hour": 10, "minute": 30}
